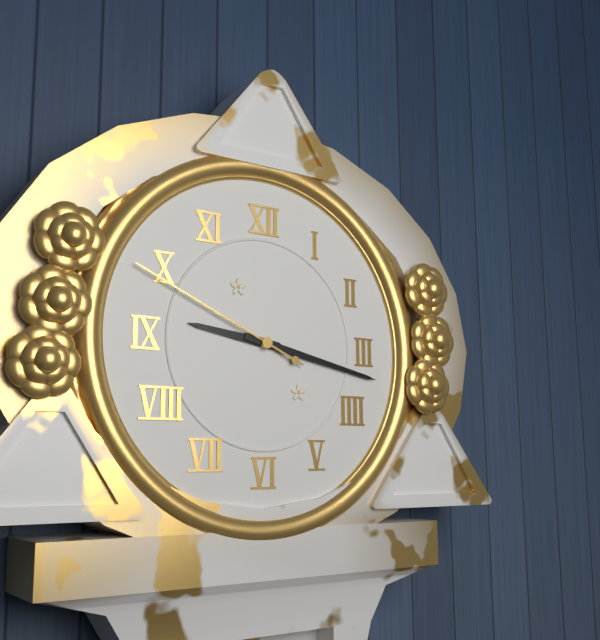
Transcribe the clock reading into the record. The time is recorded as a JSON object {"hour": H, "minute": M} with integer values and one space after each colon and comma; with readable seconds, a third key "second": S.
{"hour": 9, "minute": 17, "second": 49}
